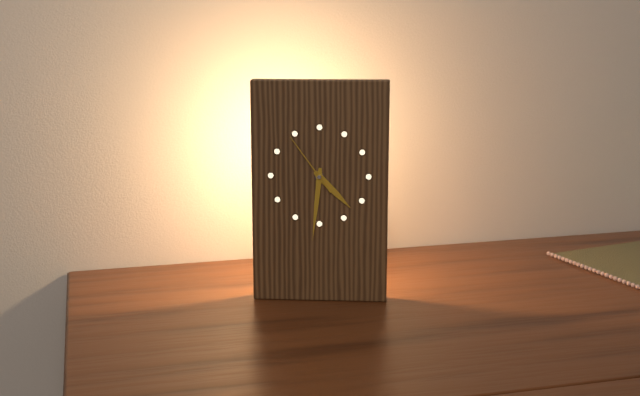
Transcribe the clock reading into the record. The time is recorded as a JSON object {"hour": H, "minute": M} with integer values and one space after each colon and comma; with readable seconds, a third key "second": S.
{"hour": 4, "minute": 31, "second": 54}
